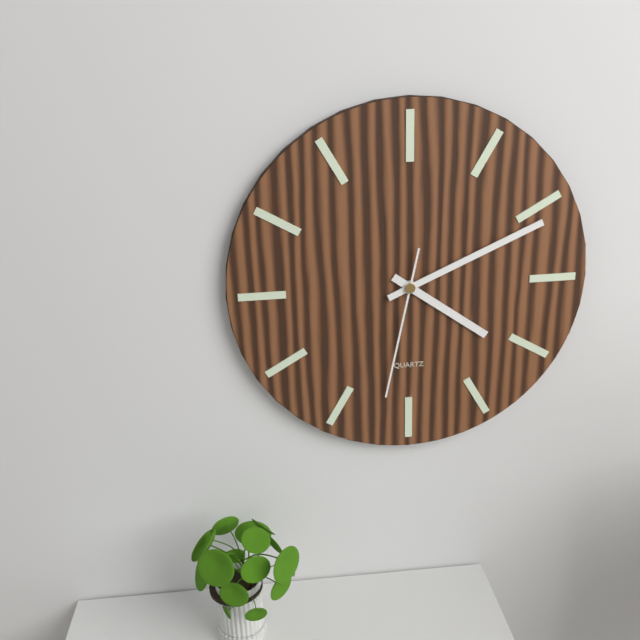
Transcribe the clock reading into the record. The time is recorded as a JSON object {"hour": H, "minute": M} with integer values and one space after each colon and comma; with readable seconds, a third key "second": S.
{"hour": 4, "minute": 11, "second": 32}
